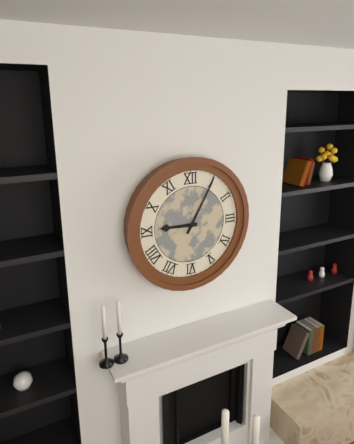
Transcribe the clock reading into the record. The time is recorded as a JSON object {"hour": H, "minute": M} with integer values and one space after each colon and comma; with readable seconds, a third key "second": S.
{"hour": 9, "minute": 5}
